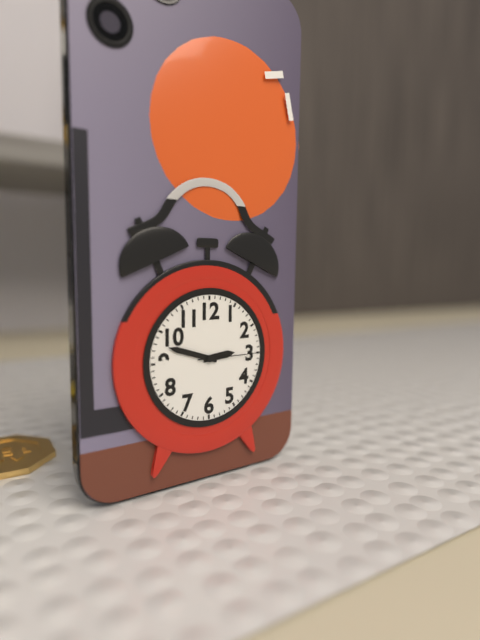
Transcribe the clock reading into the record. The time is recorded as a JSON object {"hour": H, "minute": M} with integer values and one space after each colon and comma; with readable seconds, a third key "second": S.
{"hour": 2, "minute": 48, "second": 15}
